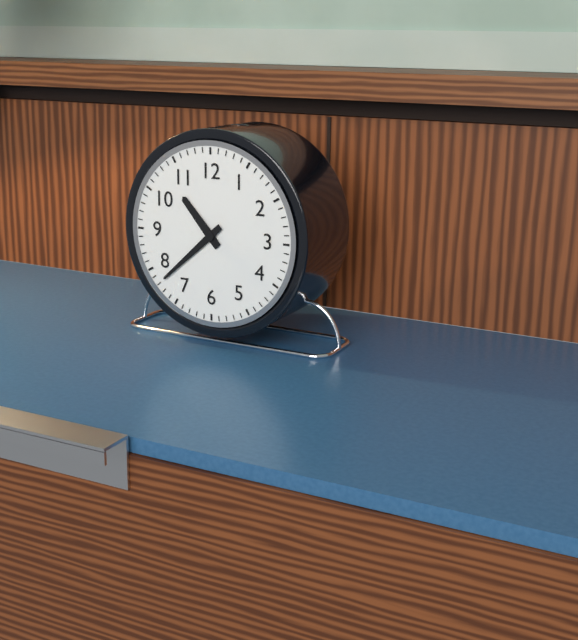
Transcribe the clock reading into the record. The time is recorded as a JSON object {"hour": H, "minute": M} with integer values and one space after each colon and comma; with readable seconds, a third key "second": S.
{"hour": 10, "minute": 38}
